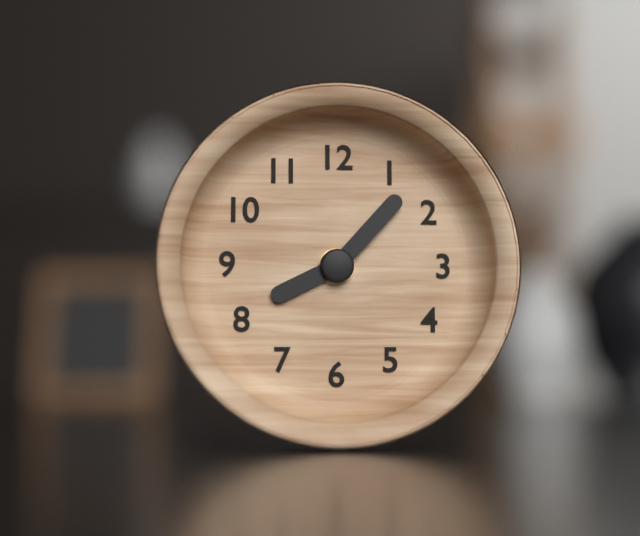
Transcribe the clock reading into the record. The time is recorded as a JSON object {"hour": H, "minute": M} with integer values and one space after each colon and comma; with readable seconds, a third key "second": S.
{"hour": 8, "minute": 7}
